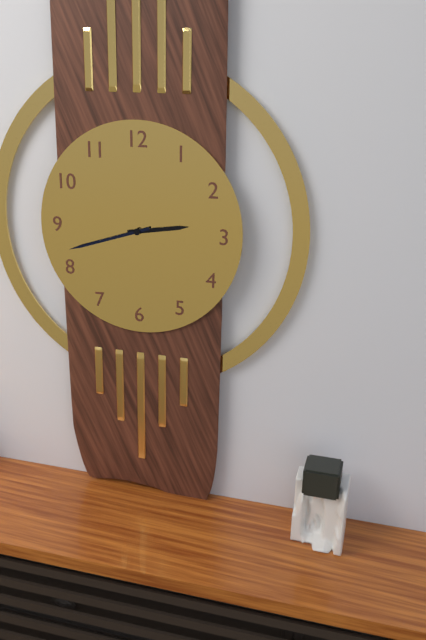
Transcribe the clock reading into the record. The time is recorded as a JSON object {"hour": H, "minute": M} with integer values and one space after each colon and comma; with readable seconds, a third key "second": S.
{"hour": 2, "minute": 42}
